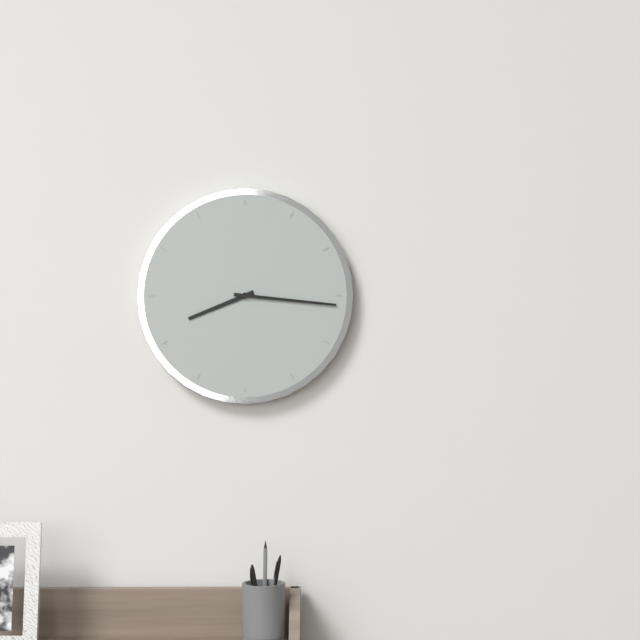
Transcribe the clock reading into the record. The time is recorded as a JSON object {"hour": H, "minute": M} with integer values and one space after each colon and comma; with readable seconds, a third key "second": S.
{"hour": 8, "minute": 16}
